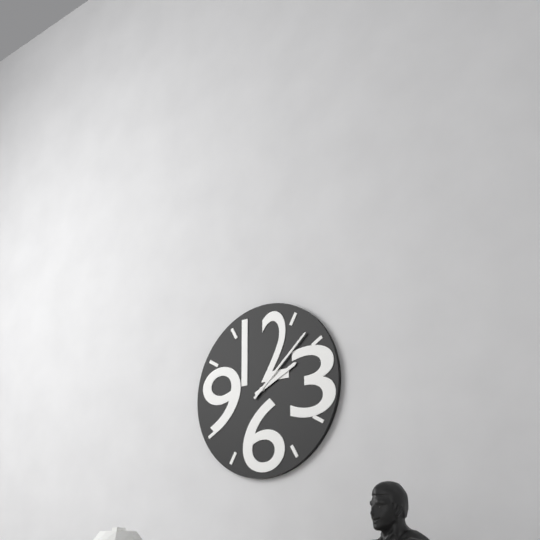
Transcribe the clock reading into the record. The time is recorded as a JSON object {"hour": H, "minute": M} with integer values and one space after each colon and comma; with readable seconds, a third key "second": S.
{"hour": 2, "minute": 8}
